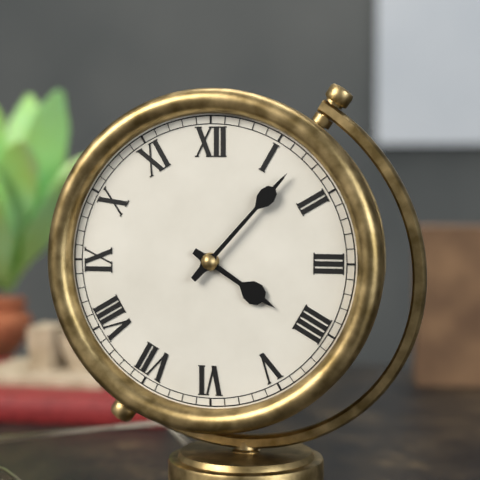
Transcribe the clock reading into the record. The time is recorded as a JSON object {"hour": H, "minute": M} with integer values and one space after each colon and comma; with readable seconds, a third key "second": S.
{"hour": 4, "minute": 7}
